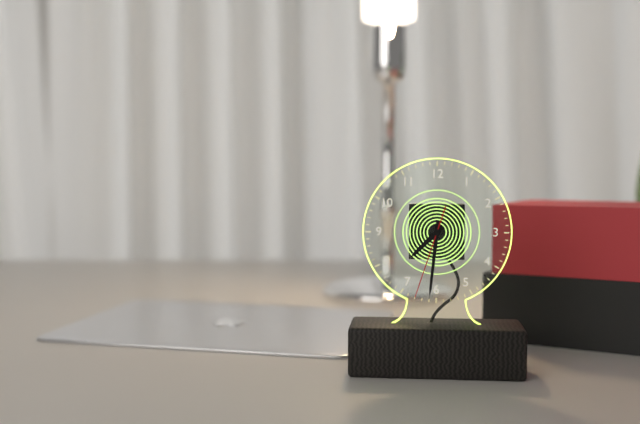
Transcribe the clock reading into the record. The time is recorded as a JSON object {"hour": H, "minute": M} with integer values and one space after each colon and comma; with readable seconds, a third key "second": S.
{"hour": 7, "minute": 31, "second": 33}
